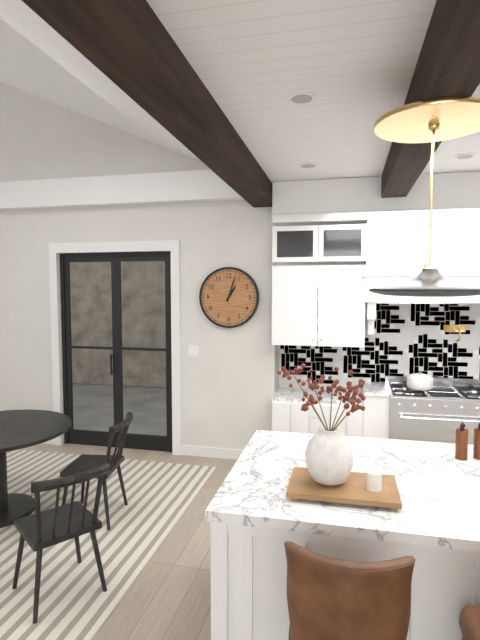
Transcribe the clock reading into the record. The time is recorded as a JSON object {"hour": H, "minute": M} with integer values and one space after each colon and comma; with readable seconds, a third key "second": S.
{"hour": 1, "minute": 3}
